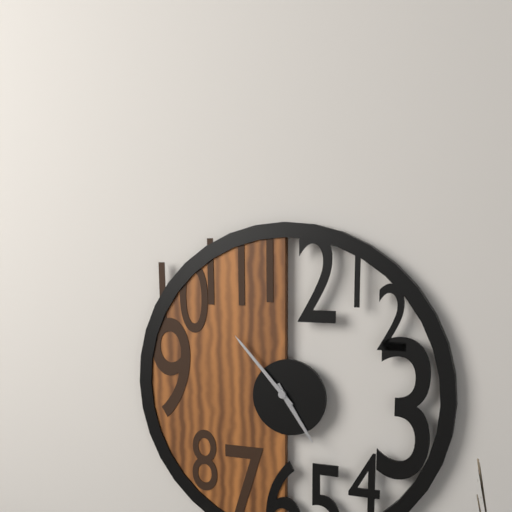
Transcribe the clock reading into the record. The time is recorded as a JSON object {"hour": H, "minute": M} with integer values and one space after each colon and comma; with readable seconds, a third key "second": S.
{"hour": 4, "minute": 53}
